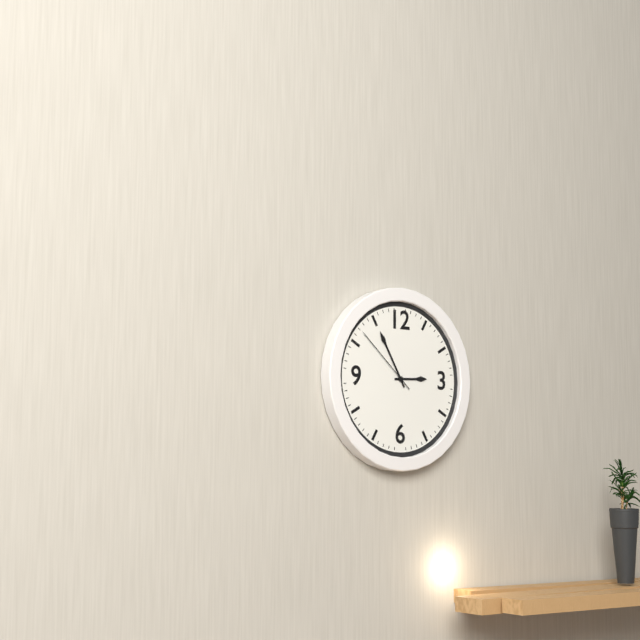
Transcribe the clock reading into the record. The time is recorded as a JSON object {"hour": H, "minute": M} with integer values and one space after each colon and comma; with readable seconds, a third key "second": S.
{"hour": 2, "minute": 55, "second": 52}
